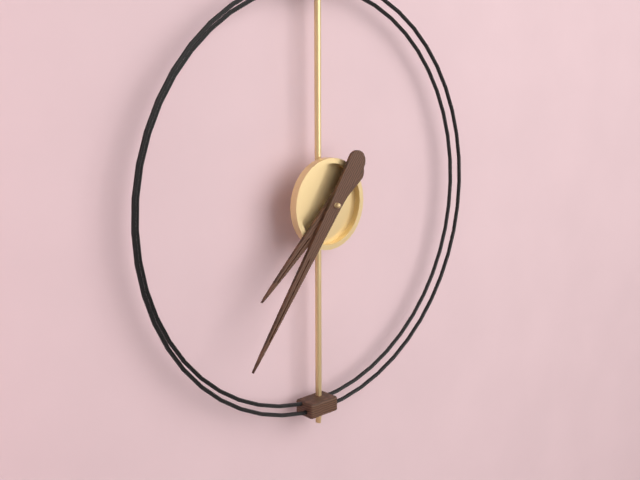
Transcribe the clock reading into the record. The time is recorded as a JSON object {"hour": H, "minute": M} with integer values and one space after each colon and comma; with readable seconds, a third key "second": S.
{"hour": 7, "minute": 36}
